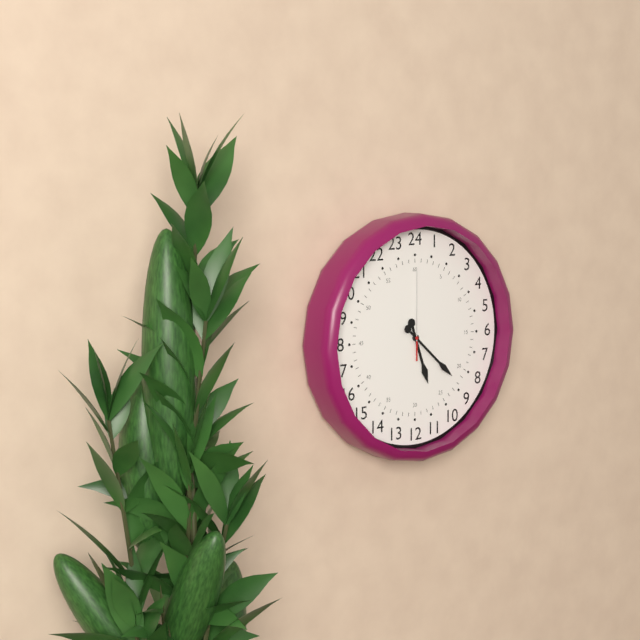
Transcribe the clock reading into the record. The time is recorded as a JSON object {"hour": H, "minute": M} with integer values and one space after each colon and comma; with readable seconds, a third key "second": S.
{"hour": 5, "minute": 22, "second": 0}
